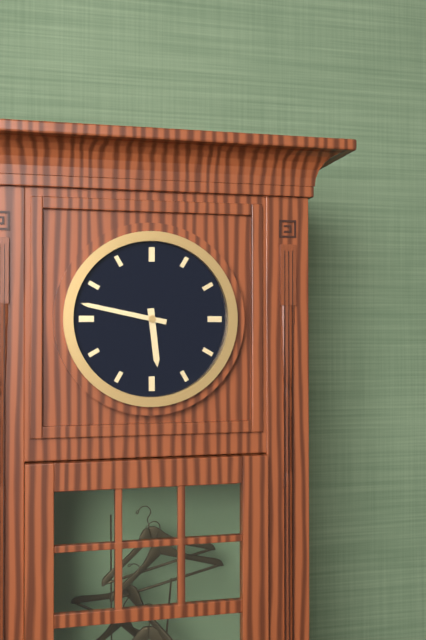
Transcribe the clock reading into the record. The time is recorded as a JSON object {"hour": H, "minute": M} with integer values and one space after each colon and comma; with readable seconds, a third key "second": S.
{"hour": 5, "minute": 47}
